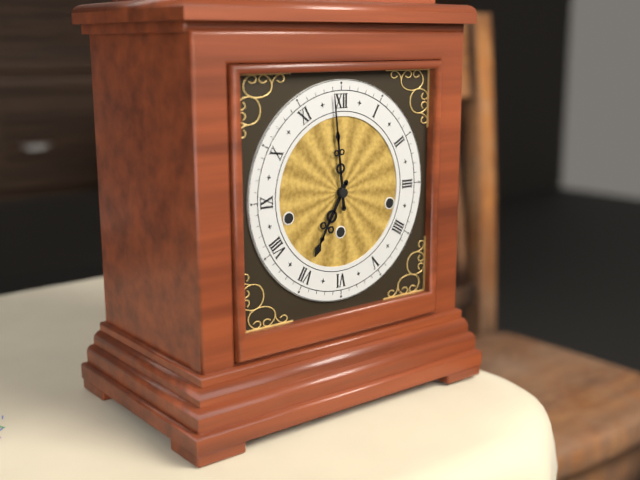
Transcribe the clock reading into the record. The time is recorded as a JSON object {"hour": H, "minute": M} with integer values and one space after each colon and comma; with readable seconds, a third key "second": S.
{"hour": 6, "minute": 59}
